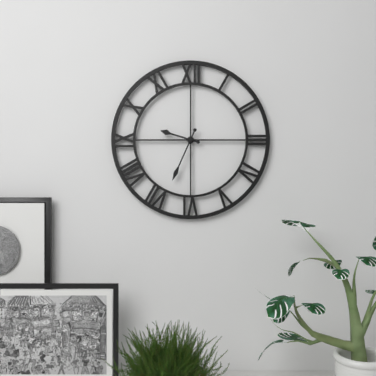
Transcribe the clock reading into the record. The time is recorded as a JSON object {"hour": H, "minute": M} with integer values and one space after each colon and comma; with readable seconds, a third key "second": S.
{"hour": 9, "minute": 34}
